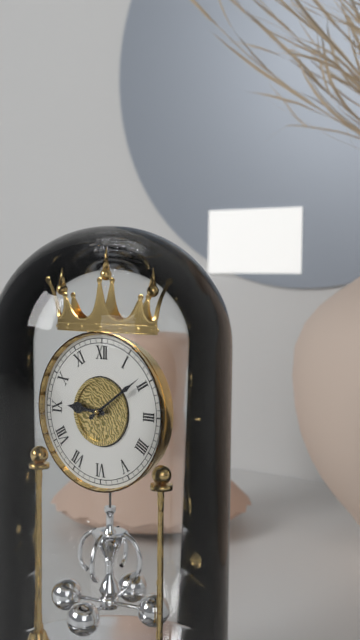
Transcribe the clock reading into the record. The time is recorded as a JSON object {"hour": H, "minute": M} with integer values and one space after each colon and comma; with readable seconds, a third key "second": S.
{"hour": 9, "minute": 9}
